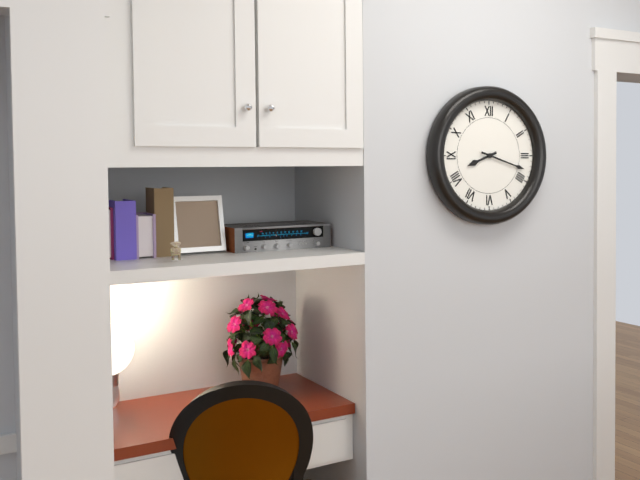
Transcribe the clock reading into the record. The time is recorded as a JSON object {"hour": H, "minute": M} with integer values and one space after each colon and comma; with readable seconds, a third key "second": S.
{"hour": 8, "minute": 18}
